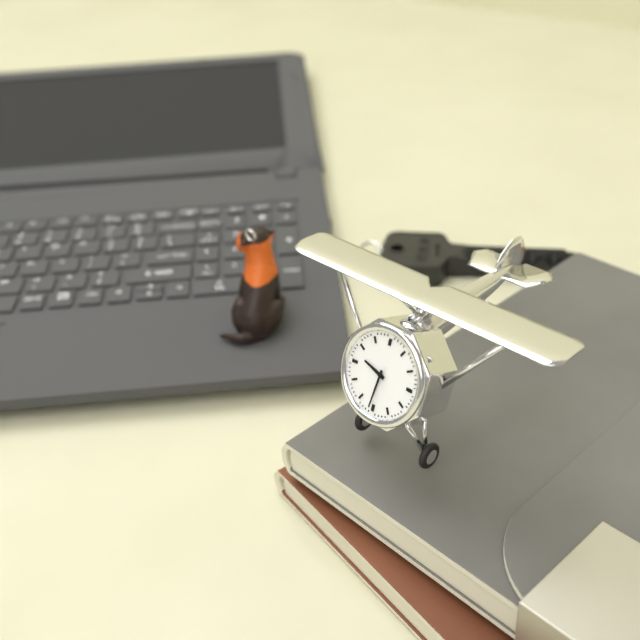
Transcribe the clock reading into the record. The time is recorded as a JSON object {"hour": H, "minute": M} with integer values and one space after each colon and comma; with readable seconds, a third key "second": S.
{"hour": 9, "minute": 31}
